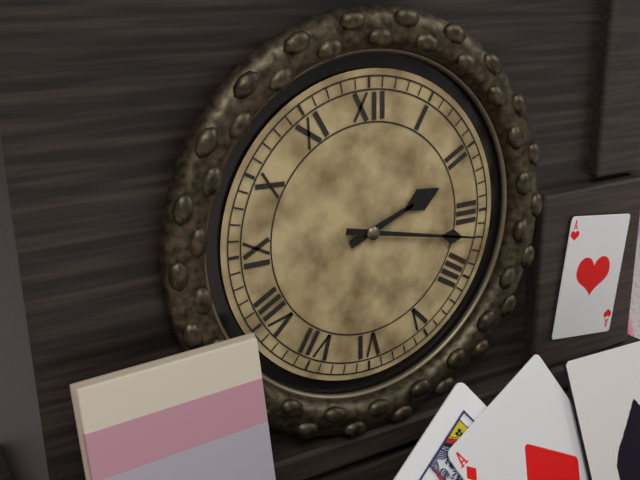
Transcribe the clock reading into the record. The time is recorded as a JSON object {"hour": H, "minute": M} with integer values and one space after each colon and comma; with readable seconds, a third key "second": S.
{"hour": 2, "minute": 17}
